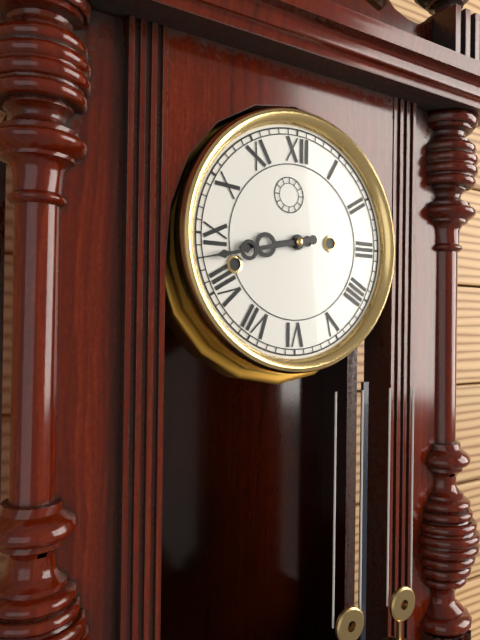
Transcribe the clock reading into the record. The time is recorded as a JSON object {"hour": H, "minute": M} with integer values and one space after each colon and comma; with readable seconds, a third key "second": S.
{"hour": 8, "minute": 43}
